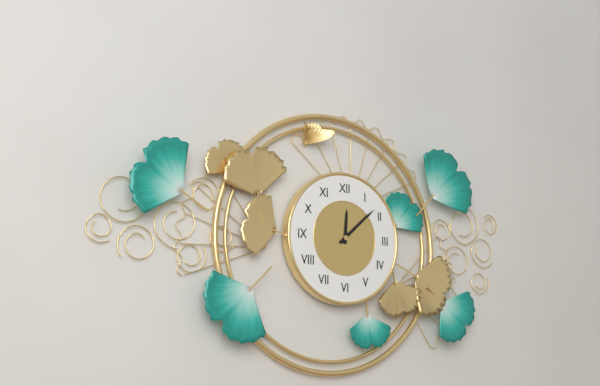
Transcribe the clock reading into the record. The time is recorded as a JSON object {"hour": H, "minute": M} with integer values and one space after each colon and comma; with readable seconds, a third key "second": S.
{"hour": 12, "minute": 8}
